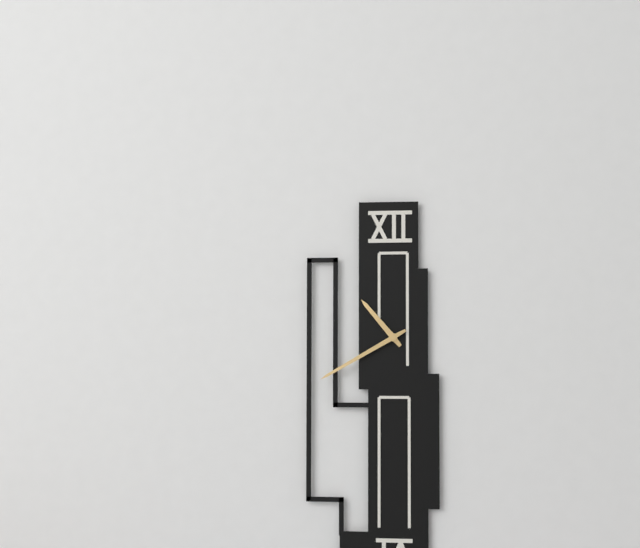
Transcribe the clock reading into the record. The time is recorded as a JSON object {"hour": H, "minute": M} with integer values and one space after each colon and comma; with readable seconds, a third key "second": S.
{"hour": 10, "minute": 40}
